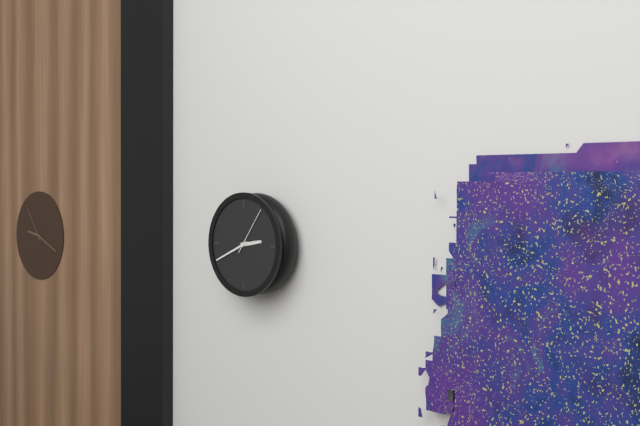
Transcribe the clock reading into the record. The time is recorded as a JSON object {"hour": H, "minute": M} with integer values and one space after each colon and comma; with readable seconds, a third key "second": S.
{"hour": 2, "minute": 41}
